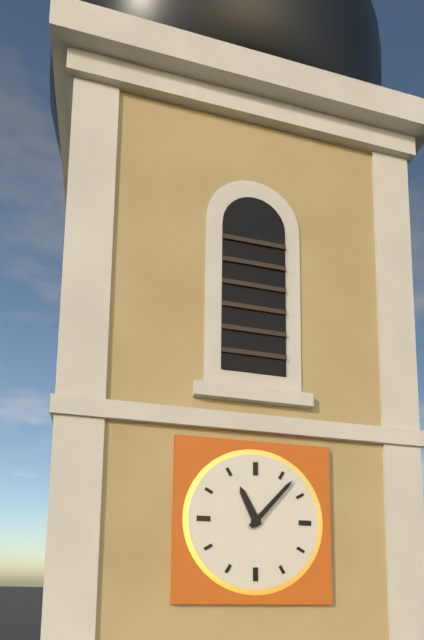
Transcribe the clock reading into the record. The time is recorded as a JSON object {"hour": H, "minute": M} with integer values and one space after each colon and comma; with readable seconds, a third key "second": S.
{"hour": 11, "minute": 7}
